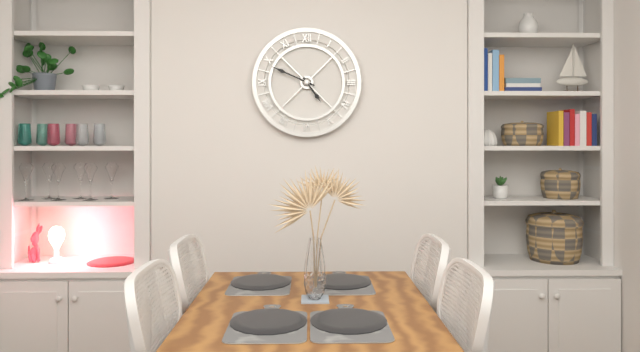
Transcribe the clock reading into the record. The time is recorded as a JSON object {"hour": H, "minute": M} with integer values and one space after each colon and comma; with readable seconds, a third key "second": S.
{"hour": 4, "minute": 49}
